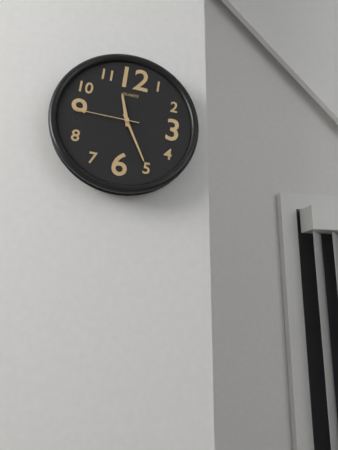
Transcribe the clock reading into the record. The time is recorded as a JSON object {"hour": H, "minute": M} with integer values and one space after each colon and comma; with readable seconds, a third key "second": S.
{"hour": 11, "minute": 25, "second": 45}
